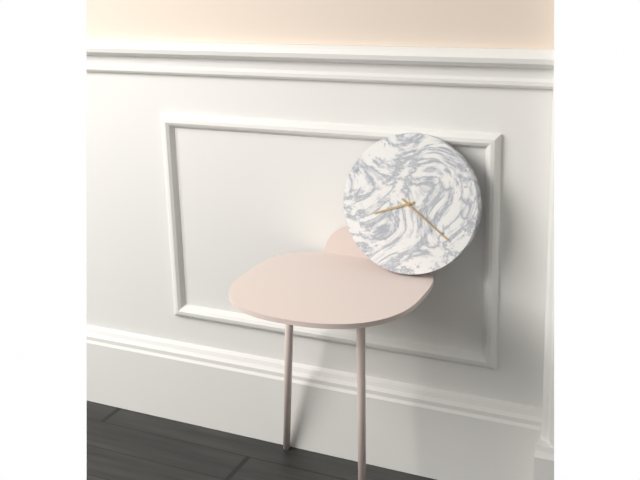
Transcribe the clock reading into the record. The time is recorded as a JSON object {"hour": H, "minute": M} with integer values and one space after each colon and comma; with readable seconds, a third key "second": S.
{"hour": 8, "minute": 21}
